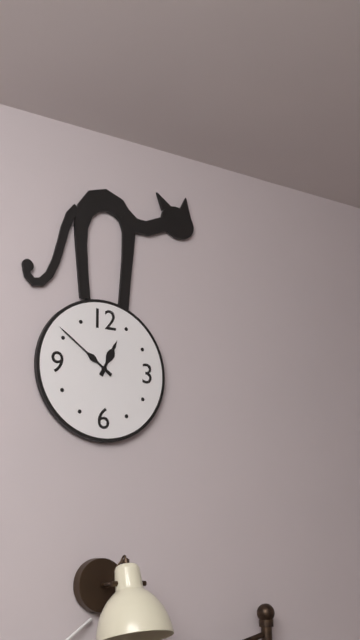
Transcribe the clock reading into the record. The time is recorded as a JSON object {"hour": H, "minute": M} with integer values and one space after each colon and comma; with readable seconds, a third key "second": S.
{"hour": 12, "minute": 51}
